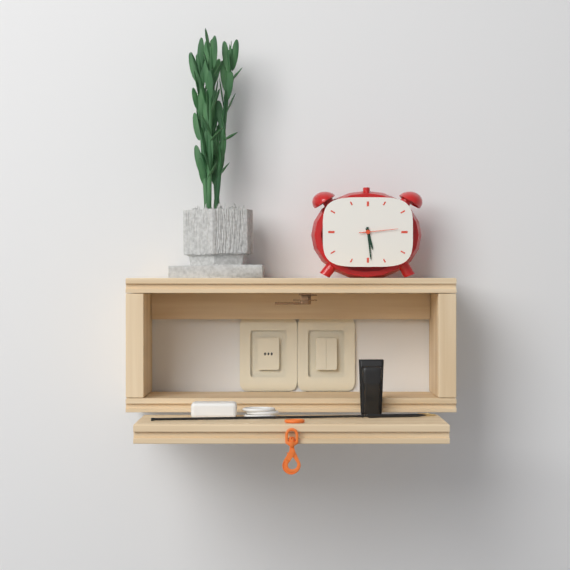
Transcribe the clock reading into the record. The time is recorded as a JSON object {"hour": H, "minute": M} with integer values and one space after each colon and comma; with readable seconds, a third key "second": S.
{"hour": 5, "minute": 29}
